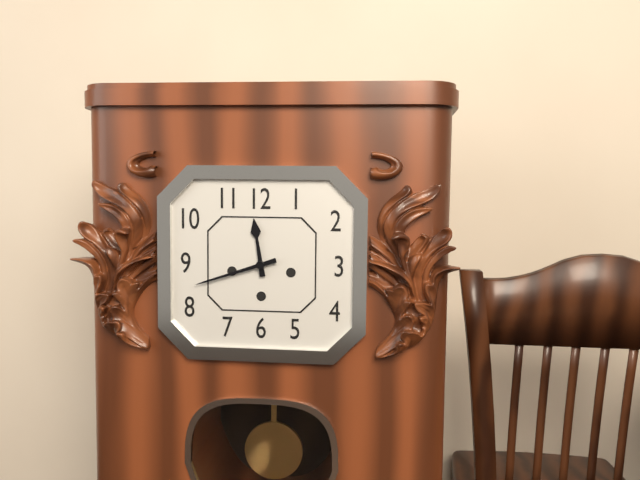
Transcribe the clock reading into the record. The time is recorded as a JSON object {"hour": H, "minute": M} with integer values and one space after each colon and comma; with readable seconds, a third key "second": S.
{"hour": 11, "minute": 42}
